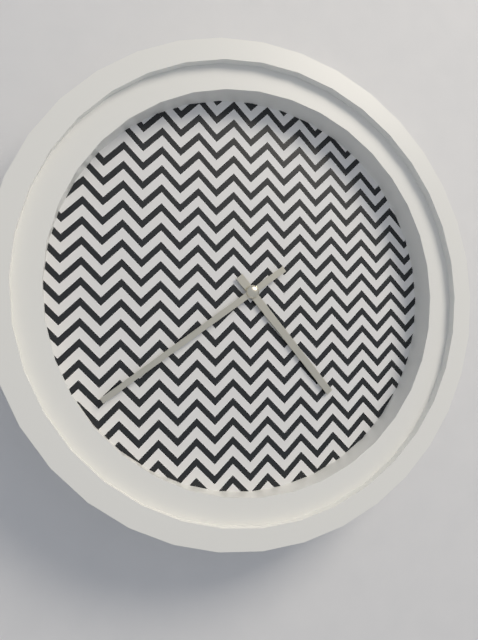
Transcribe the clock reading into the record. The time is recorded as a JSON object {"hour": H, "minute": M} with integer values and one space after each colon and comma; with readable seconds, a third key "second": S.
{"hour": 4, "minute": 39}
